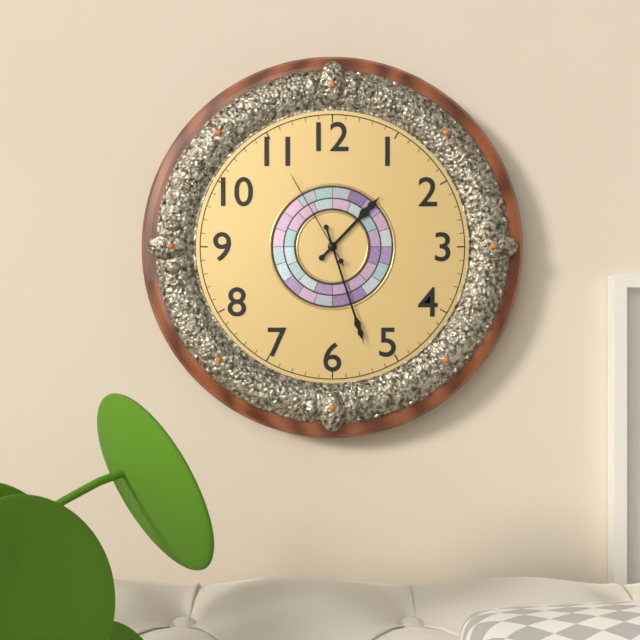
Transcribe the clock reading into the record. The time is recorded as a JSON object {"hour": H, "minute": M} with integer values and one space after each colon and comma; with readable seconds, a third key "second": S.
{"hour": 1, "minute": 27, "second": 55}
